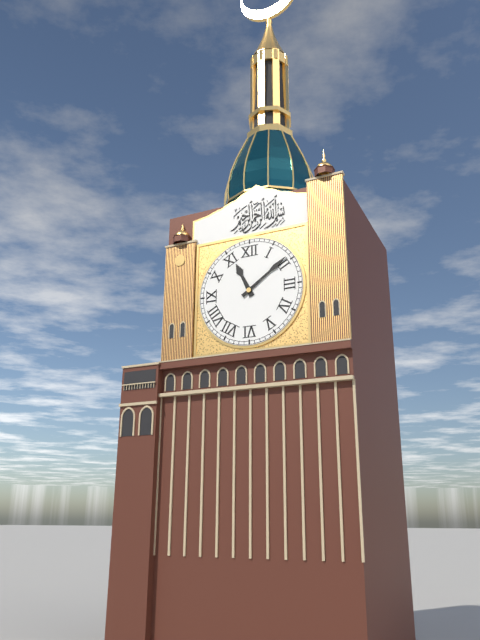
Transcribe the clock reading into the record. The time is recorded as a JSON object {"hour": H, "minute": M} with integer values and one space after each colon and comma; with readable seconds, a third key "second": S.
{"hour": 11, "minute": 9}
